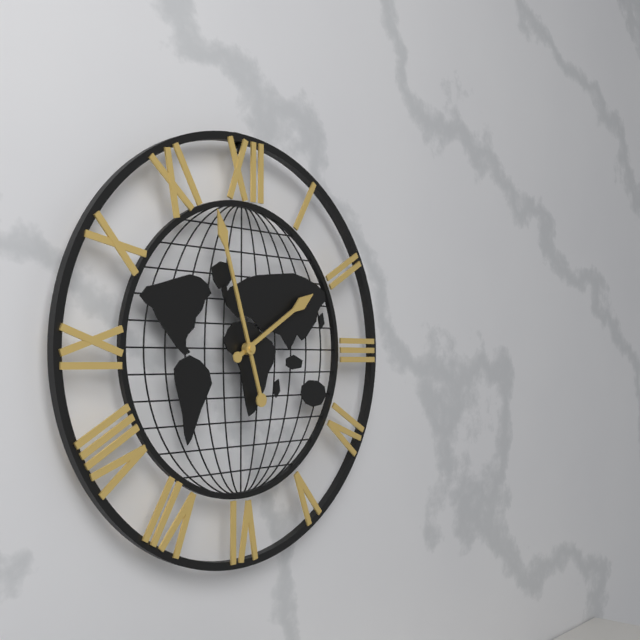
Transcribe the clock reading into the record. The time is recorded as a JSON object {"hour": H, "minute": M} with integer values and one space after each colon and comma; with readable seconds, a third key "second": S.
{"hour": 1, "minute": 57}
